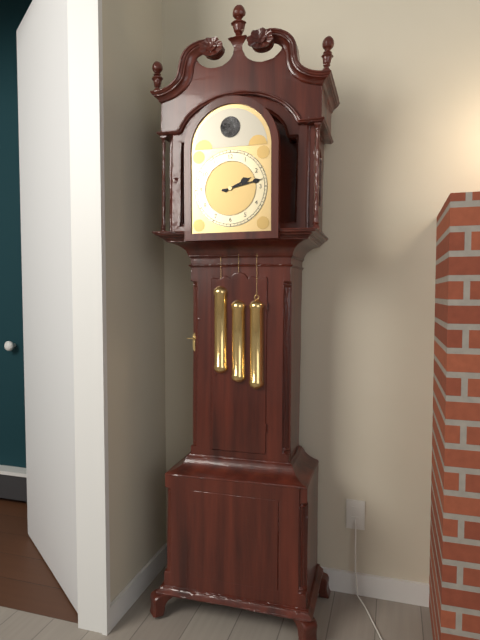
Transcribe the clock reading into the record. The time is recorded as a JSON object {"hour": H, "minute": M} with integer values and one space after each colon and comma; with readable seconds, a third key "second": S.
{"hour": 2, "minute": 13}
